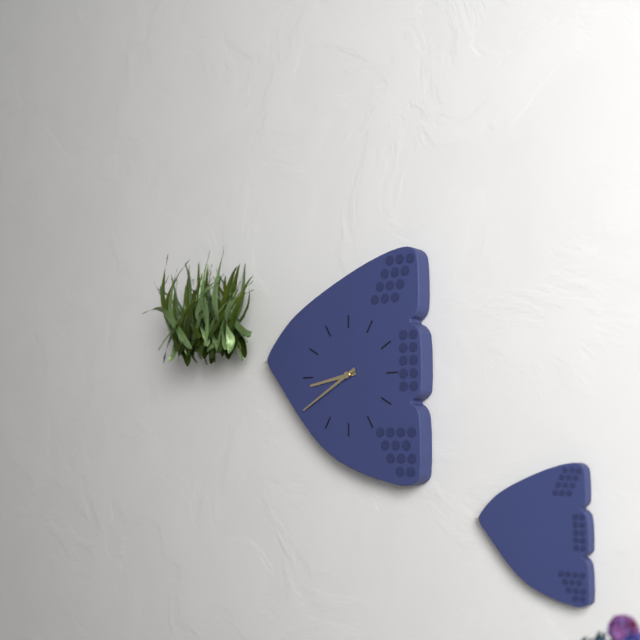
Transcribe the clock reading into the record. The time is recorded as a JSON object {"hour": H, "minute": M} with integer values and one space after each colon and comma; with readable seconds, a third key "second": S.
{"hour": 8, "minute": 40}
